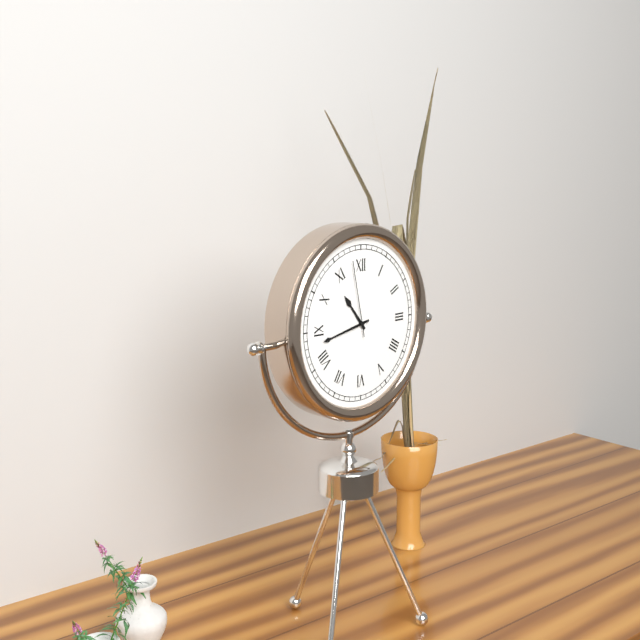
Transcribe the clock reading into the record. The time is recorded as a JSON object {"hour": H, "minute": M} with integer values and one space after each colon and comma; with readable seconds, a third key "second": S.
{"hour": 10, "minute": 43, "second": 58}
